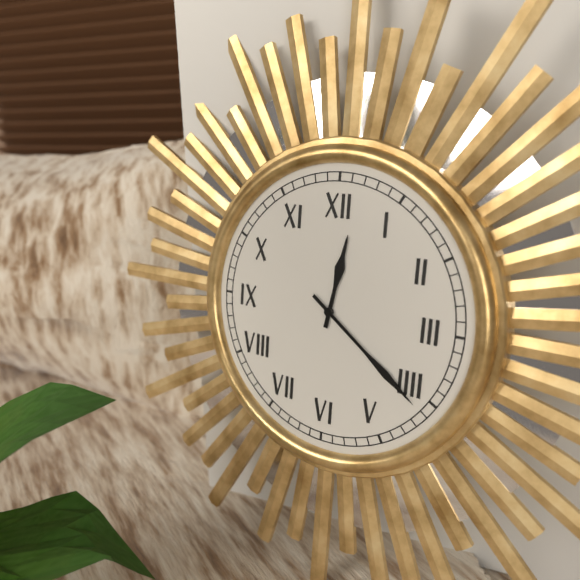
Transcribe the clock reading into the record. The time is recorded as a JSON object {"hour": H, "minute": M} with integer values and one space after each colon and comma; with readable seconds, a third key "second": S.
{"hour": 12, "minute": 21}
